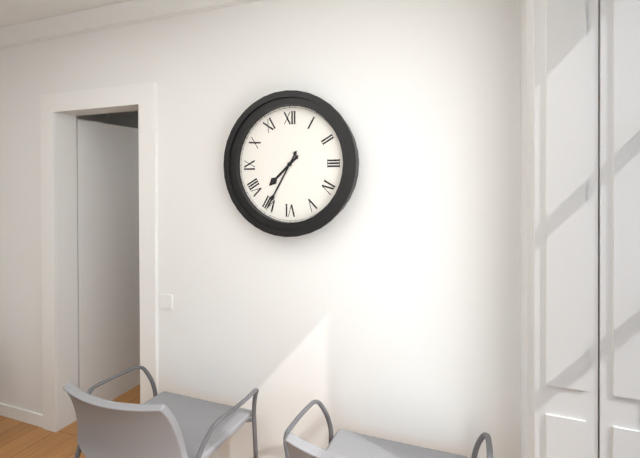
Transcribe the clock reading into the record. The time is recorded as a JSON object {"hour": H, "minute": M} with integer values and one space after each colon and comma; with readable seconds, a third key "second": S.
{"hour": 7, "minute": 35}
